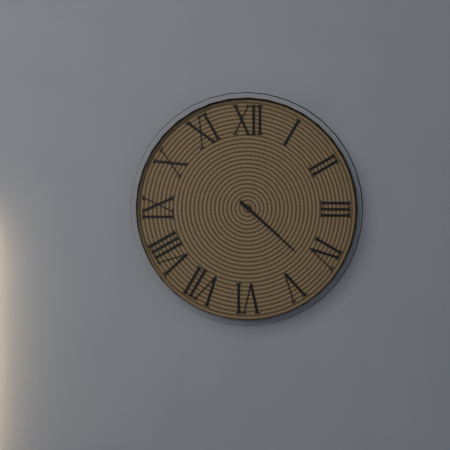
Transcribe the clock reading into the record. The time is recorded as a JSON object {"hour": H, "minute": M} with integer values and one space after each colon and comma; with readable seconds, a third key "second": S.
{"hour": 4, "minute": 22}
